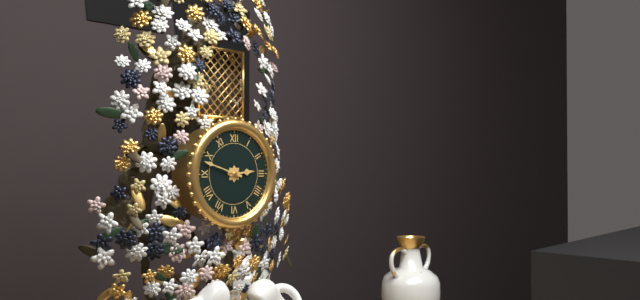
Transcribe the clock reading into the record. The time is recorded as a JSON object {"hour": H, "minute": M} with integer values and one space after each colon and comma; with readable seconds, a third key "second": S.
{"hour": 2, "minute": 48}
